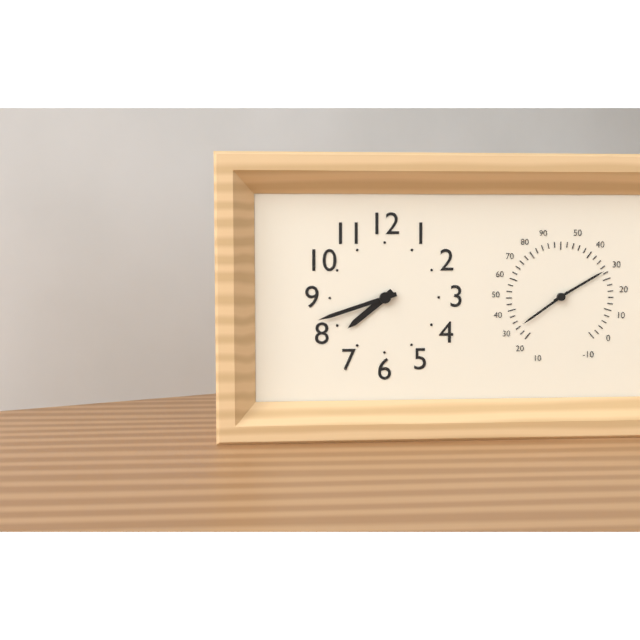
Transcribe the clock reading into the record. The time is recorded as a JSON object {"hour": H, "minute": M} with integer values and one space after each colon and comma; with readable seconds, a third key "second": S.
{"hour": 7, "minute": 42}
